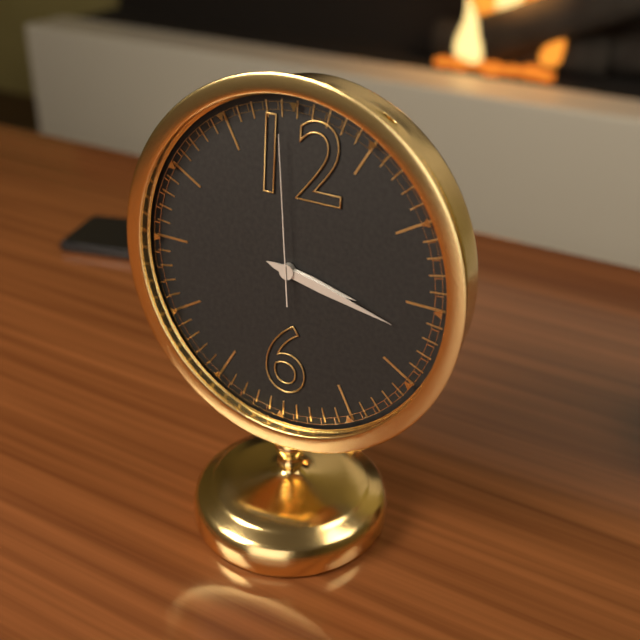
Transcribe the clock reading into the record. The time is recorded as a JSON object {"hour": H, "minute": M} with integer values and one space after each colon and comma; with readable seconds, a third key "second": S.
{"hour": 3, "minute": 17, "second": 59}
